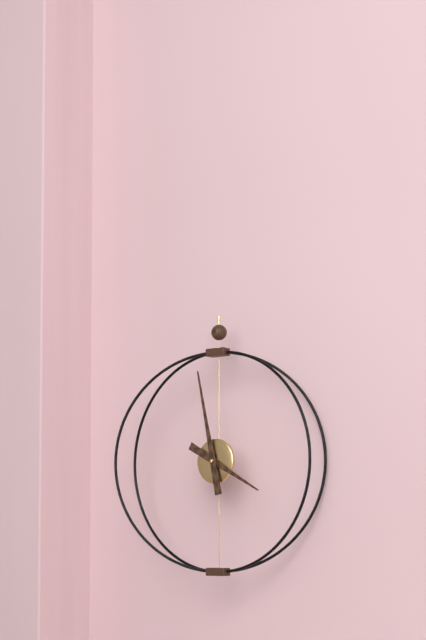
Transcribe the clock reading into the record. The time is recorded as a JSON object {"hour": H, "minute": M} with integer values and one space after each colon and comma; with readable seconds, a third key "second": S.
{"hour": 3, "minute": 58}
